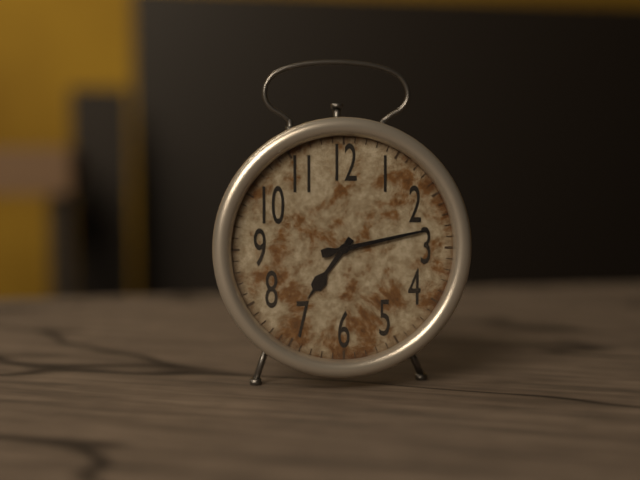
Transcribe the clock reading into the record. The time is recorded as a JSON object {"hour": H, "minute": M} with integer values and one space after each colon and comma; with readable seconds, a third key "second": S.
{"hour": 7, "minute": 13}
